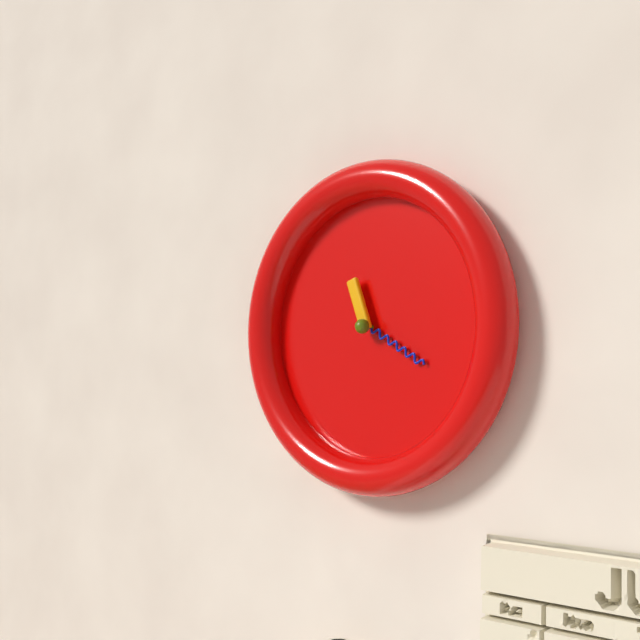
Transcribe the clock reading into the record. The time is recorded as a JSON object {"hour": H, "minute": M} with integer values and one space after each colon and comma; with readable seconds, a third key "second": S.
{"hour": 11, "minute": 20}
